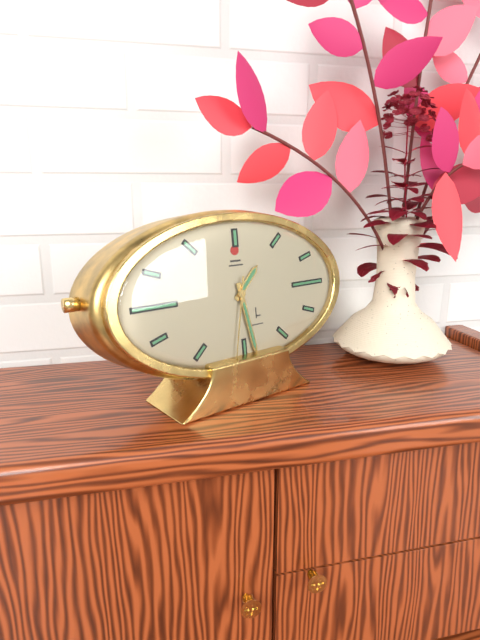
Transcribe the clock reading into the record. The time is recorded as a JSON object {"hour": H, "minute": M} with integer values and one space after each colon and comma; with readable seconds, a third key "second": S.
{"hour": 1, "minute": 28, "second": 32}
